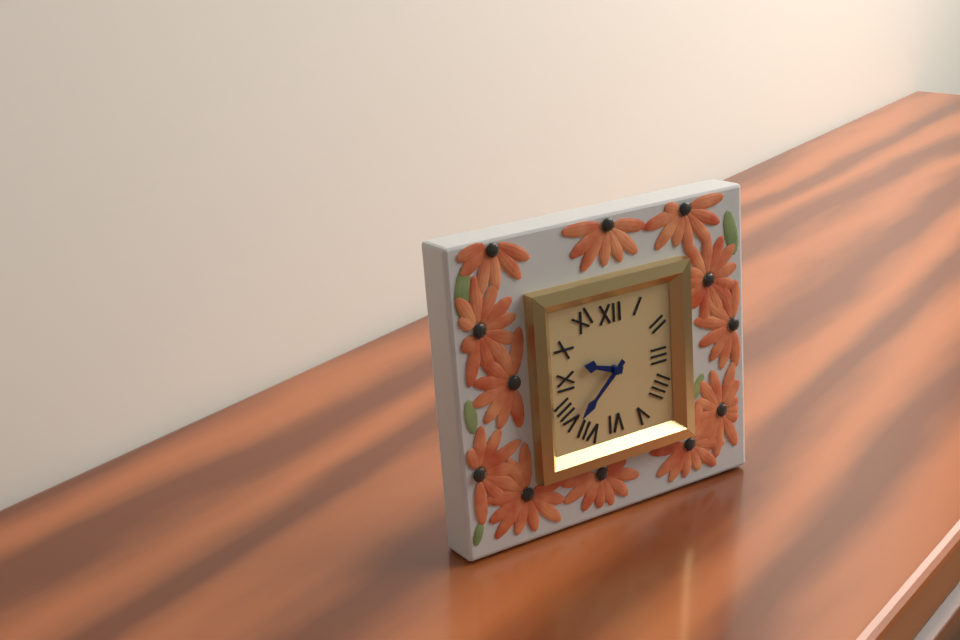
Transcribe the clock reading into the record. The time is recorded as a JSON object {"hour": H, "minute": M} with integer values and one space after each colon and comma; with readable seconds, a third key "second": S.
{"hour": 9, "minute": 38}
